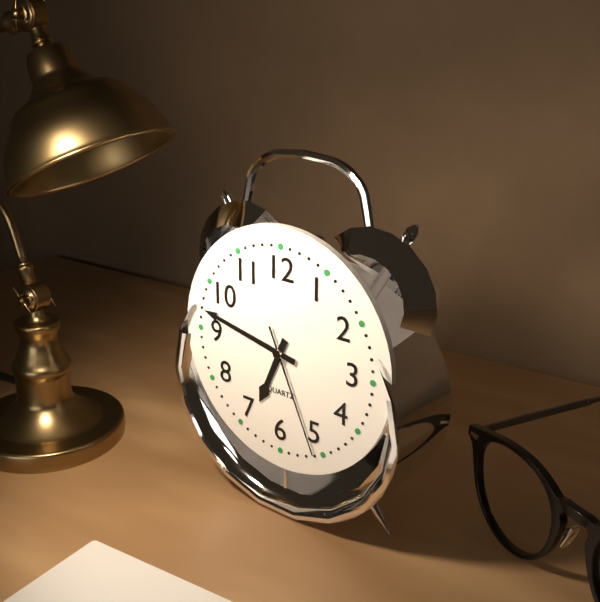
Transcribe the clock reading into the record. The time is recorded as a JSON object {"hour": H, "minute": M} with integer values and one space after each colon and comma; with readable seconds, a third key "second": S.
{"hour": 6, "minute": 47, "second": 26}
